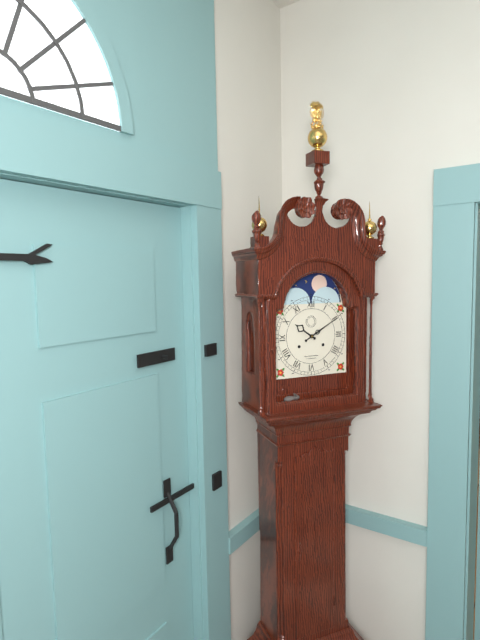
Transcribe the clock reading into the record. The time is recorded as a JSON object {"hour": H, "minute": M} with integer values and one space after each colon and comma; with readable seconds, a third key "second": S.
{"hour": 10, "minute": 10}
